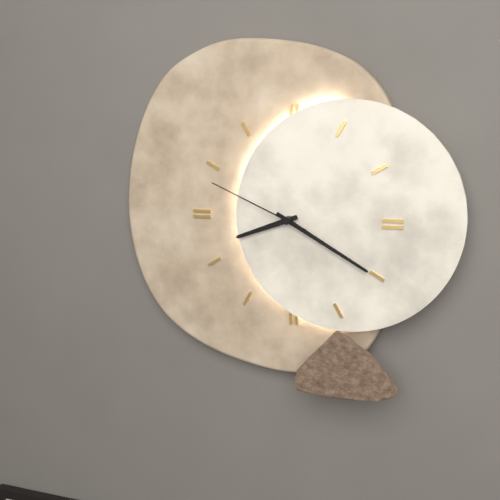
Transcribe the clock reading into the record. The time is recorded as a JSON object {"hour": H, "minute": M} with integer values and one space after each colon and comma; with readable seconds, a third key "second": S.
{"hour": 8, "minute": 20, "second": 49}
